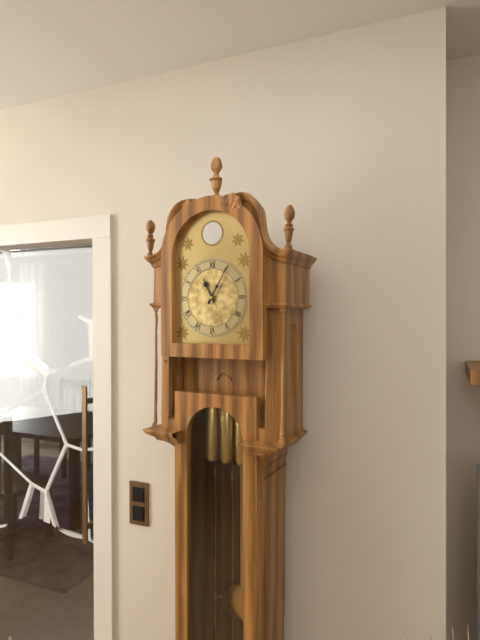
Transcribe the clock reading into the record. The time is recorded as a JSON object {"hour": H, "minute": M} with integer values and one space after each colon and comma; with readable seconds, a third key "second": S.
{"hour": 11, "minute": 5}
